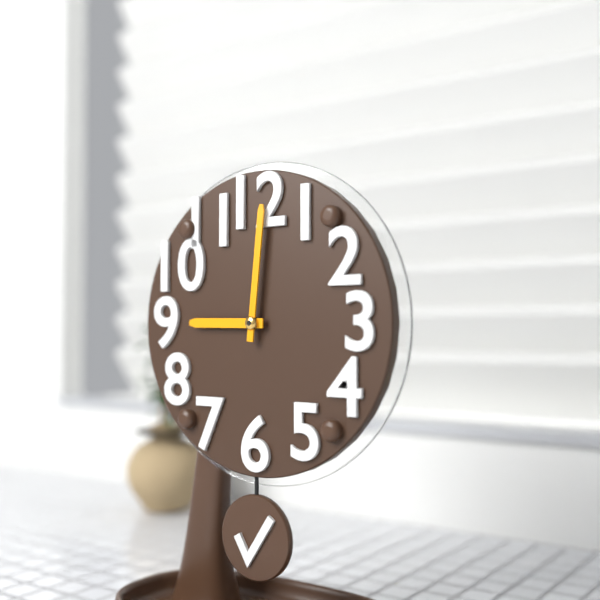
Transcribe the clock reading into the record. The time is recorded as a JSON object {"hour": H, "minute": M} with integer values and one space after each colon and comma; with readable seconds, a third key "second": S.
{"hour": 9, "minute": 1}
